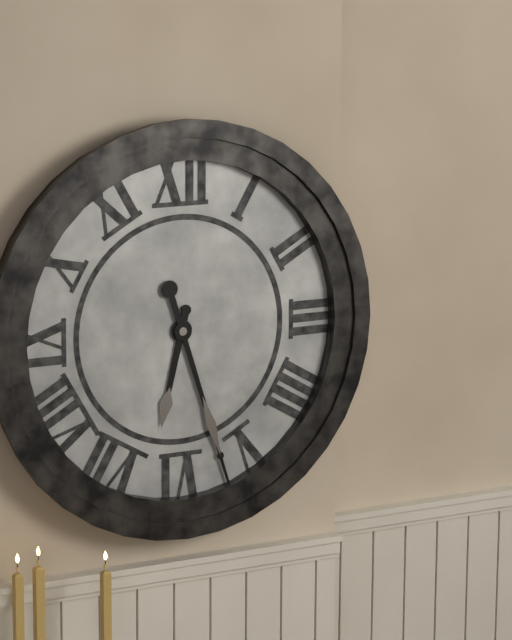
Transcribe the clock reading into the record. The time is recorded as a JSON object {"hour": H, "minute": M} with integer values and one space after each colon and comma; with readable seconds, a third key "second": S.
{"hour": 6, "minute": 27}
